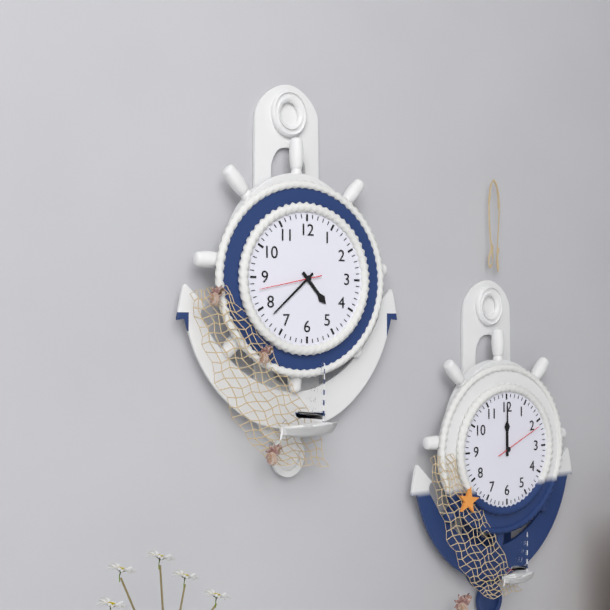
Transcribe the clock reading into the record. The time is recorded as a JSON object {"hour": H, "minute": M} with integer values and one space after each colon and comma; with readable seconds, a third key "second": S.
{"hour": 4, "minute": 38, "second": 43}
